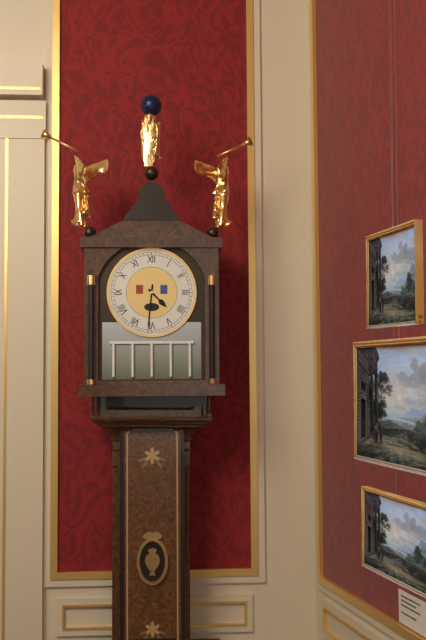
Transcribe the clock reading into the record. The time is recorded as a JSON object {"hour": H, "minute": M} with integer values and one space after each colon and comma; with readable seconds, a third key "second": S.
{"hour": 4, "minute": 31}
